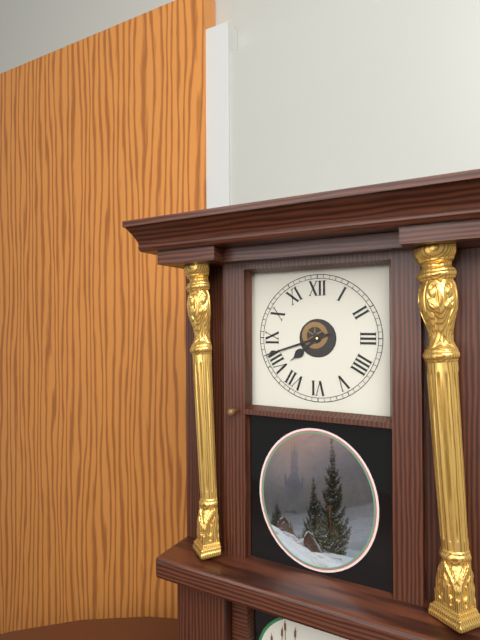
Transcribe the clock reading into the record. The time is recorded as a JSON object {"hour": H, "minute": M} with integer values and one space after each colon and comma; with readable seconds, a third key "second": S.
{"hour": 7, "minute": 42}
